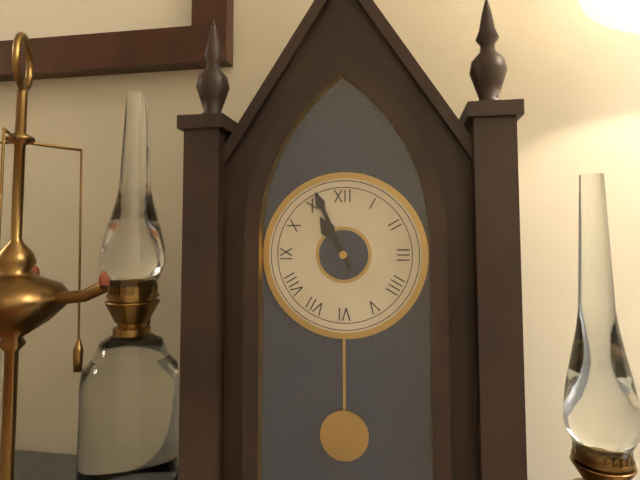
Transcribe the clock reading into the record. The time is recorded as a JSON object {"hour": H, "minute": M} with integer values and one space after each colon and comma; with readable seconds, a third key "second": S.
{"hour": 10, "minute": 56}
